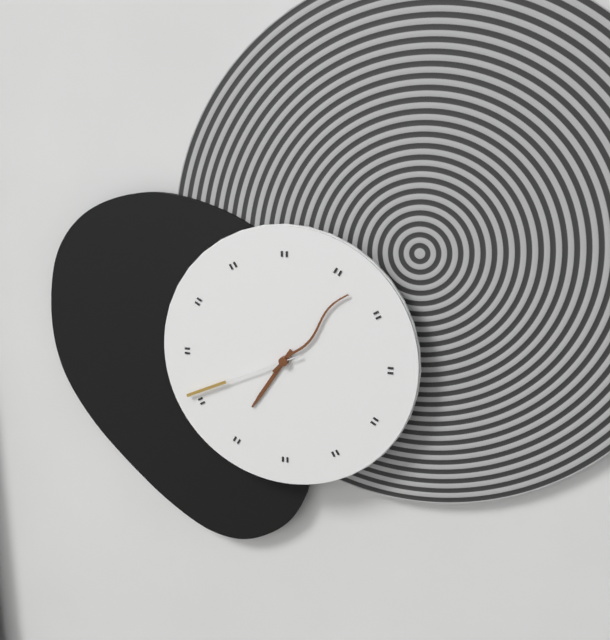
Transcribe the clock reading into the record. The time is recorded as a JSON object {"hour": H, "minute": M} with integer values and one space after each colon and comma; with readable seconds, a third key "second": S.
{"hour": 7, "minute": 7, "second": 41}
